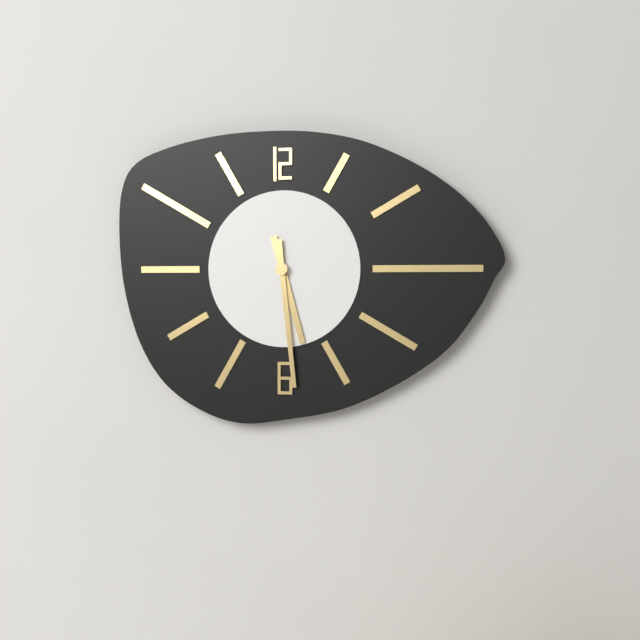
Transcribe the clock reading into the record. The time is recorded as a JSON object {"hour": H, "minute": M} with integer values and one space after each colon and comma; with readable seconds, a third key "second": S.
{"hour": 5, "minute": 29}
